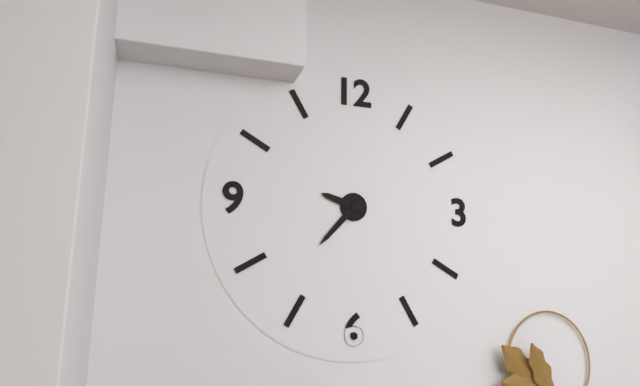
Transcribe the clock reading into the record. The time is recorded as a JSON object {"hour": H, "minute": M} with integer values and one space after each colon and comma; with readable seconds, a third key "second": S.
{"hour": 9, "minute": 37}
